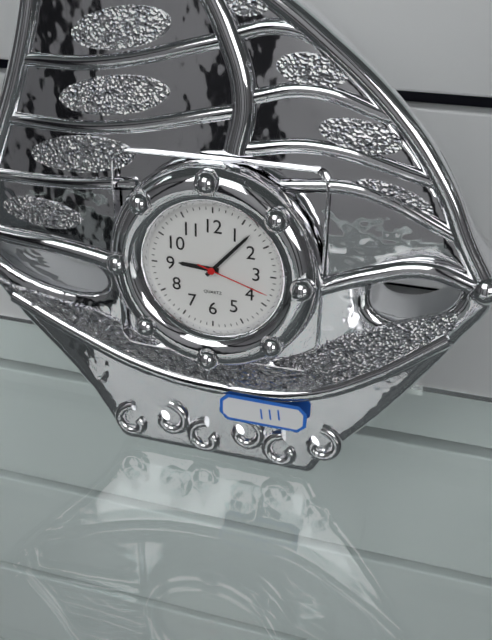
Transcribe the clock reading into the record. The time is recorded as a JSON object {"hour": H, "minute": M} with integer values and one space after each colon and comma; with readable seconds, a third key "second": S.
{"hour": 9, "minute": 7, "second": 18}
